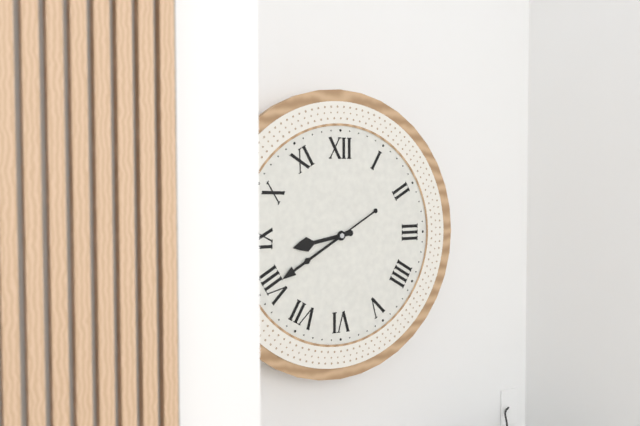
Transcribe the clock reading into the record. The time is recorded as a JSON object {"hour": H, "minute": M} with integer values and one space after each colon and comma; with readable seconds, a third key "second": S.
{"hour": 8, "minute": 40}
